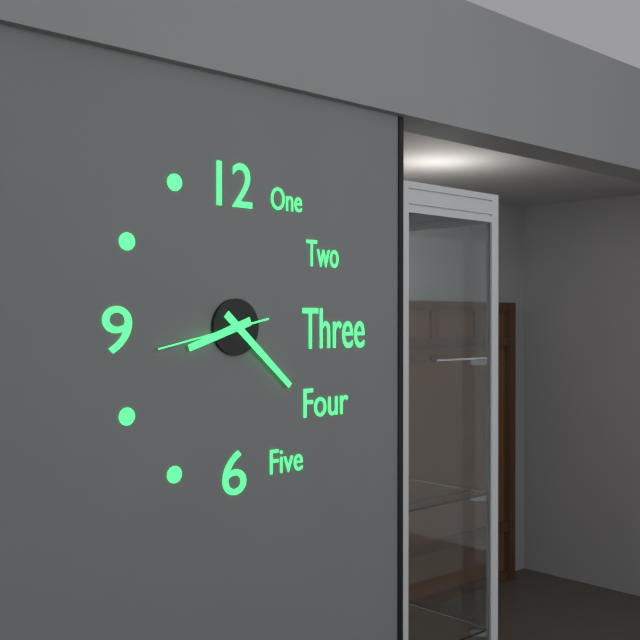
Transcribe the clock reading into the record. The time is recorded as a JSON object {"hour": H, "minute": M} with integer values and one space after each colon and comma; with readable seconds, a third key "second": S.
{"hour": 8, "minute": 22, "second": 43}
